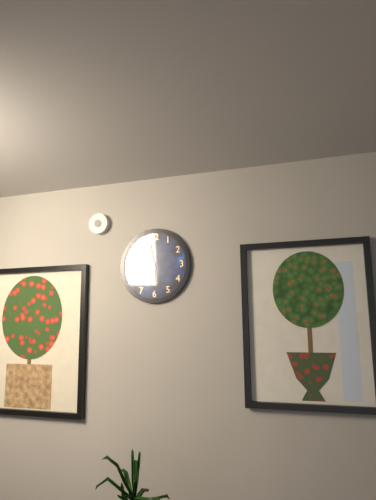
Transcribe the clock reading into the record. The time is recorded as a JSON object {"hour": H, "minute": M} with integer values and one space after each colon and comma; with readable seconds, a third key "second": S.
{"hour": 5, "minute": 58}
